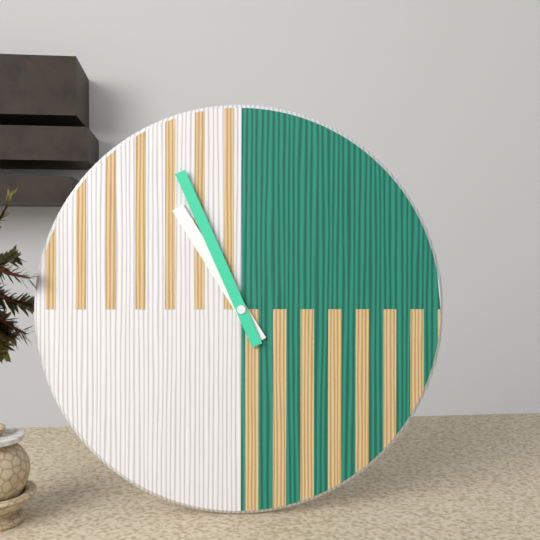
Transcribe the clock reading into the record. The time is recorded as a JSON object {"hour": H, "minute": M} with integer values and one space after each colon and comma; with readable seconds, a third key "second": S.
{"hour": 10, "minute": 56}
